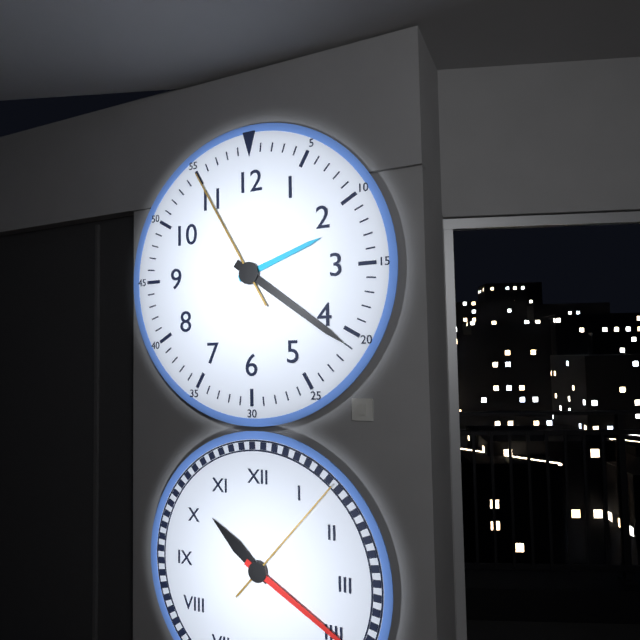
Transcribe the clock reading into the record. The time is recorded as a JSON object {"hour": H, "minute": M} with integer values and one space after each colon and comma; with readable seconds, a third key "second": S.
{"hour": 2, "minute": 21, "second": 55}
